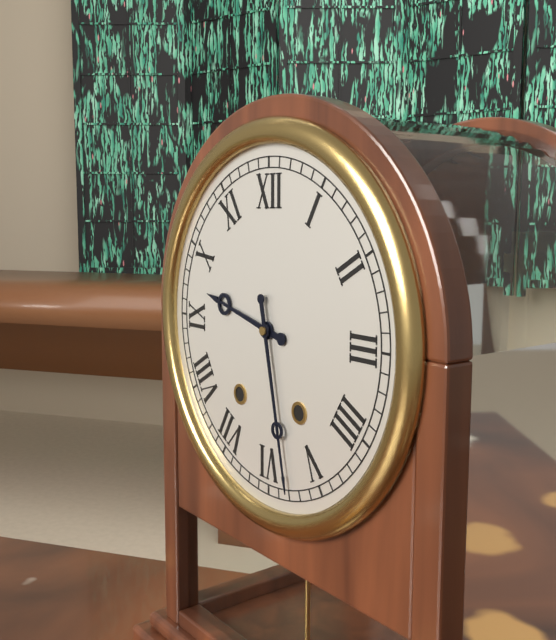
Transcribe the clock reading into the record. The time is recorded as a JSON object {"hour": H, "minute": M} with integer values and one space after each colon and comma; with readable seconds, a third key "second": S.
{"hour": 9, "minute": 28}
